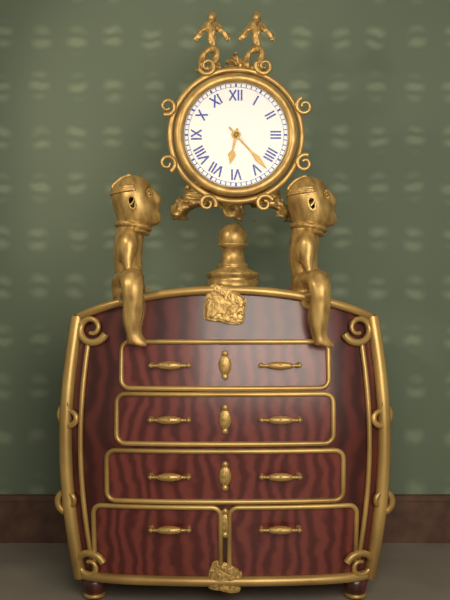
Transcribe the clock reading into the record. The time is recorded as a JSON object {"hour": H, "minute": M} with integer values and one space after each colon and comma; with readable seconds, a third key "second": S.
{"hour": 6, "minute": 23}
